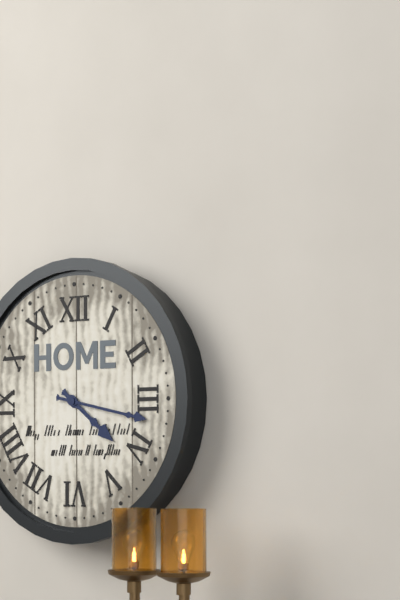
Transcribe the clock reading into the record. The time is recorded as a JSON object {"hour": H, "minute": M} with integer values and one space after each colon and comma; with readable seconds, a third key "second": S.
{"hour": 4, "minute": 17}
